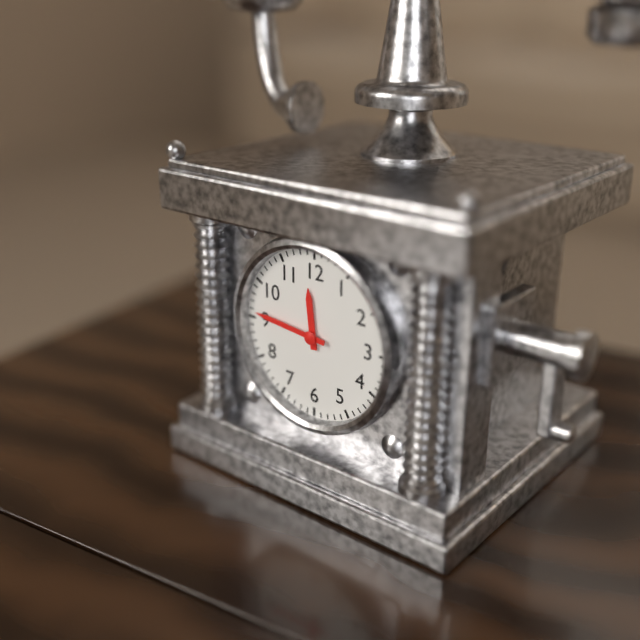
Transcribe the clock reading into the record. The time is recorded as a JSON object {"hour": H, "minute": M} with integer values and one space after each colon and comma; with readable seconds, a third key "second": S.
{"hour": 11, "minute": 46}
